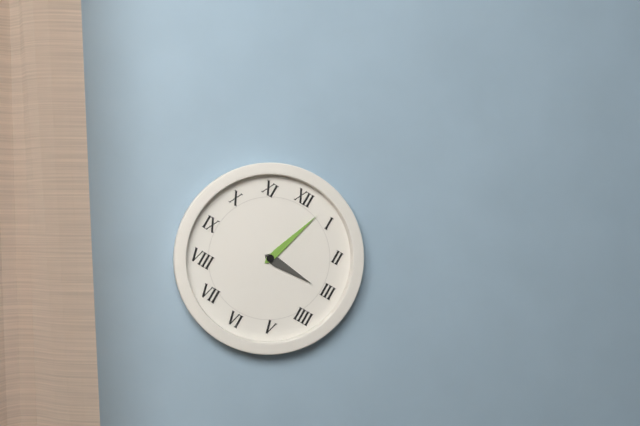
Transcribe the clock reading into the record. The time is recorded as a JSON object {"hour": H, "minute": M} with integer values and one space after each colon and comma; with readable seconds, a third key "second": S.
{"hour": 3, "minute": 3}
